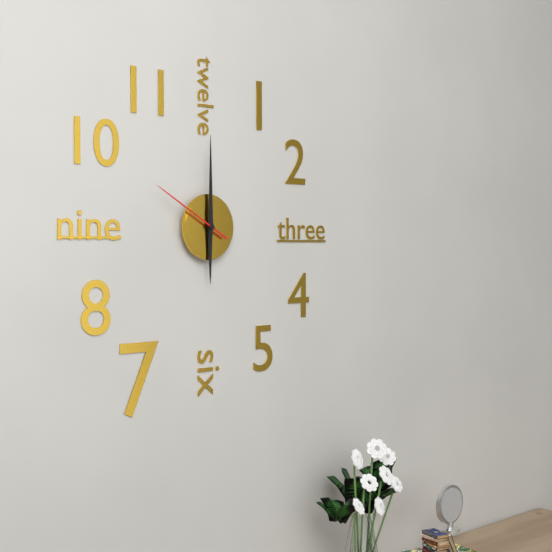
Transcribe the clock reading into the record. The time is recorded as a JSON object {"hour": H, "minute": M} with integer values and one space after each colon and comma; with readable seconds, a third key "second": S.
{"hour": 6, "minute": 0, "second": 50}
